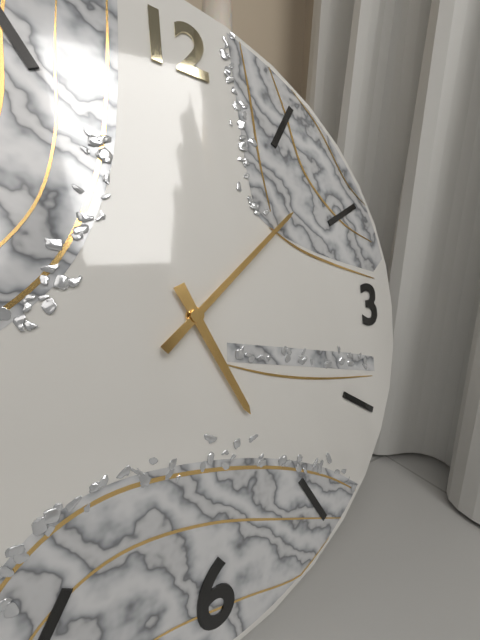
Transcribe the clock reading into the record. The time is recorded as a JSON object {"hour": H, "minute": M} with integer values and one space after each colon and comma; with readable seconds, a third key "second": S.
{"hour": 5, "minute": 8}
